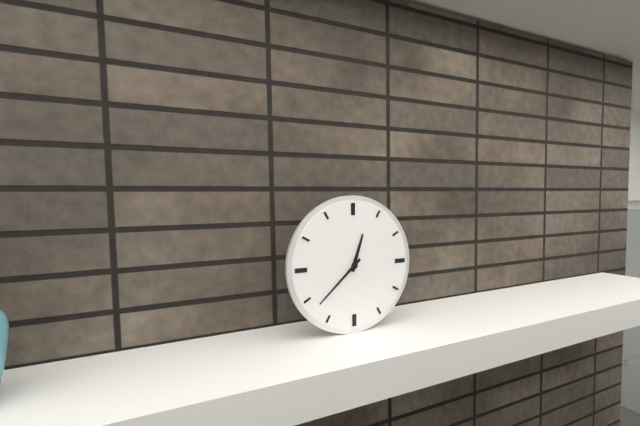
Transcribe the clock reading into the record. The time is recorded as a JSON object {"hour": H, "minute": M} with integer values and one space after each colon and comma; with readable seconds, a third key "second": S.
{"hour": 12, "minute": 38}
